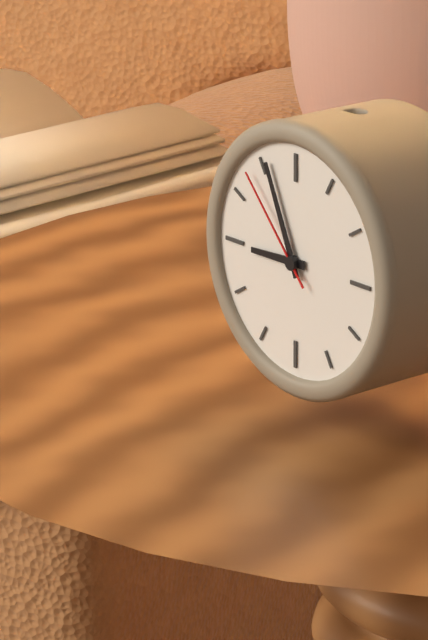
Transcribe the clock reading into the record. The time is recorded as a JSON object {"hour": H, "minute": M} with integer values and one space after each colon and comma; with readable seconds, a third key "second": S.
{"hour": 8, "minute": 56, "second": 53}
